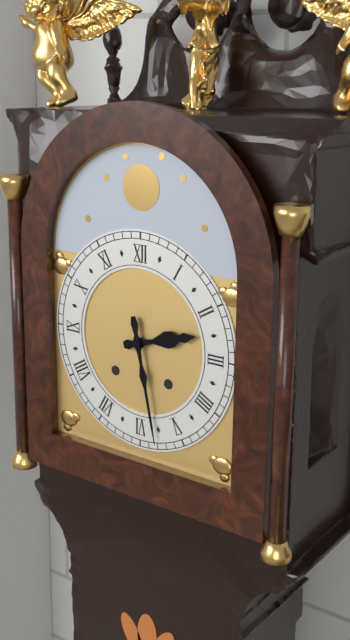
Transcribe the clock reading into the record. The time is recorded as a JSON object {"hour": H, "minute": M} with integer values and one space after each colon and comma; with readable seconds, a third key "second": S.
{"hour": 2, "minute": 28}
